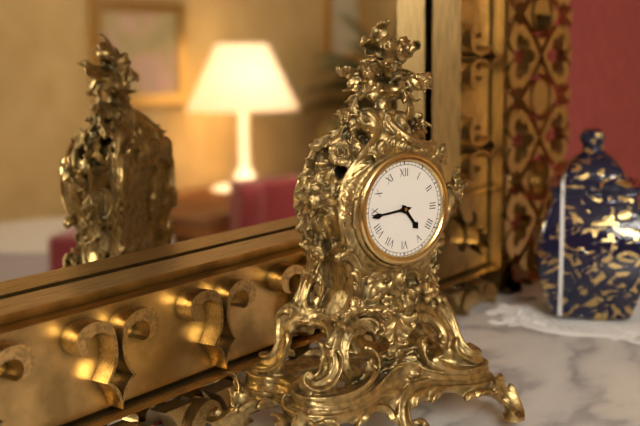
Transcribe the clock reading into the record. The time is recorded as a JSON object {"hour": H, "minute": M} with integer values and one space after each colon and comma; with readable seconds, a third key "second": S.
{"hour": 4, "minute": 44}
